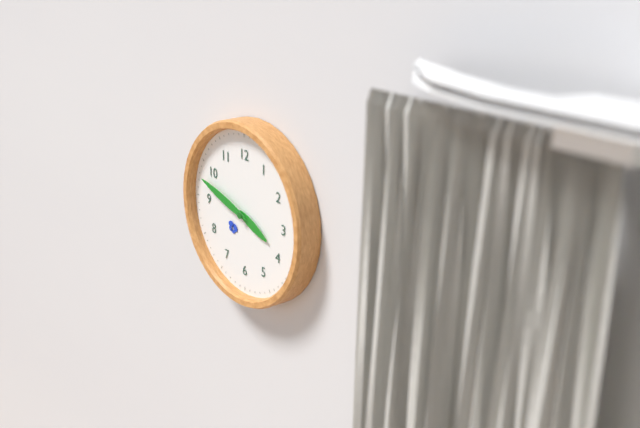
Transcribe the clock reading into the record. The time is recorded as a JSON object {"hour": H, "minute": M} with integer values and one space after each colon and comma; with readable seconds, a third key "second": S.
{"hour": 3, "minute": 48}
